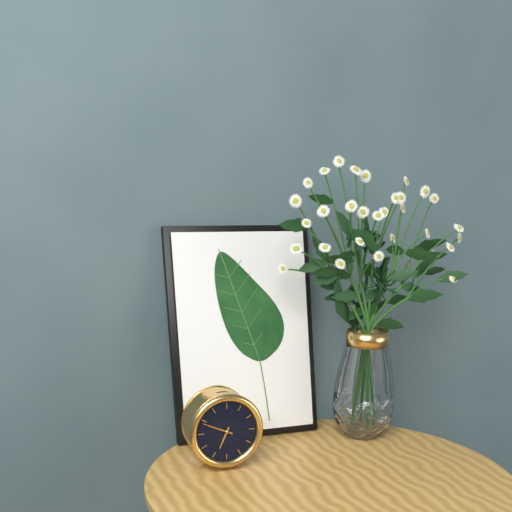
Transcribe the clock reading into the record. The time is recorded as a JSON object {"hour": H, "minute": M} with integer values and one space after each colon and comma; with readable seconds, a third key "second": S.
{"hour": 6, "minute": 49}
